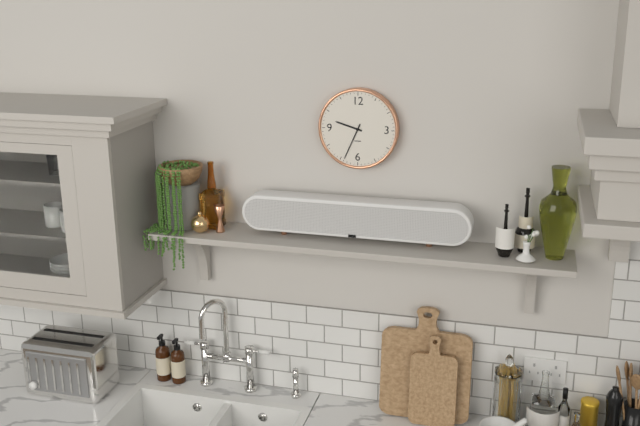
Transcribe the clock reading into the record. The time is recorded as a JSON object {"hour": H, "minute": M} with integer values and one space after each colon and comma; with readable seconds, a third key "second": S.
{"hour": 9, "minute": 34}
